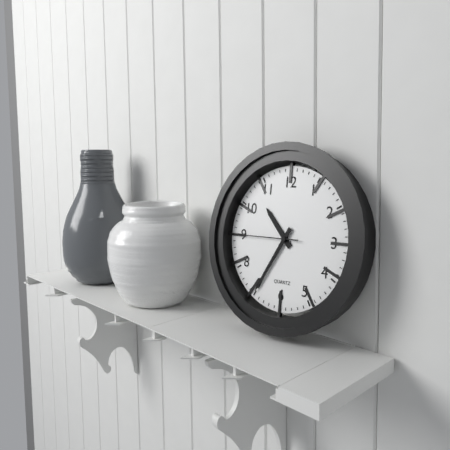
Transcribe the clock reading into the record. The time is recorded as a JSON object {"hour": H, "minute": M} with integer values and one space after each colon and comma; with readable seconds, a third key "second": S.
{"hour": 10, "minute": 35, "second": 45}
